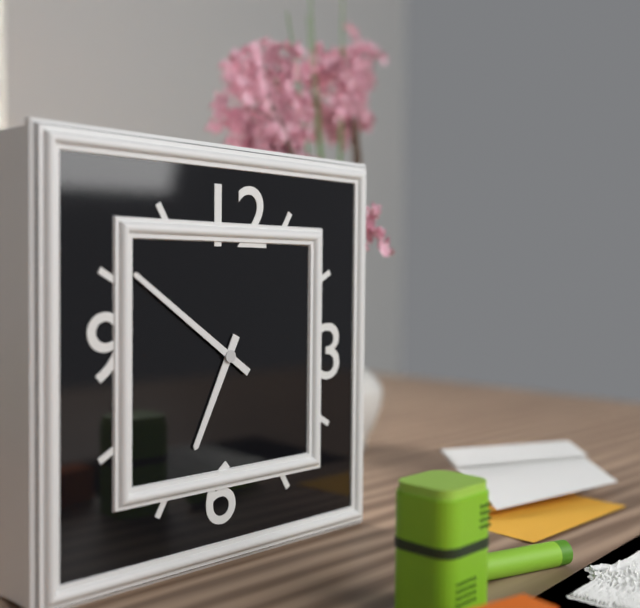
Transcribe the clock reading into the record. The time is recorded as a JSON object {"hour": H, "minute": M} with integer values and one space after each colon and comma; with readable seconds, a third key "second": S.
{"hour": 6, "minute": 51}
